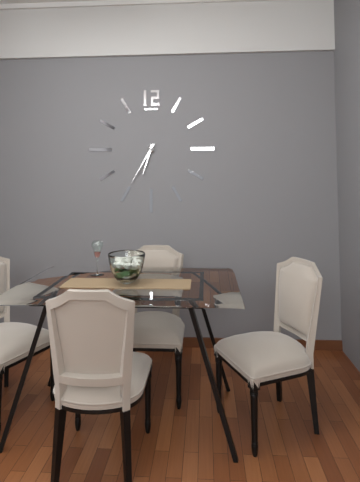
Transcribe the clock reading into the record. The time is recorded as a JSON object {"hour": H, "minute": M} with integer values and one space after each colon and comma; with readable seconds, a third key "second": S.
{"hour": 6, "minute": 35}
